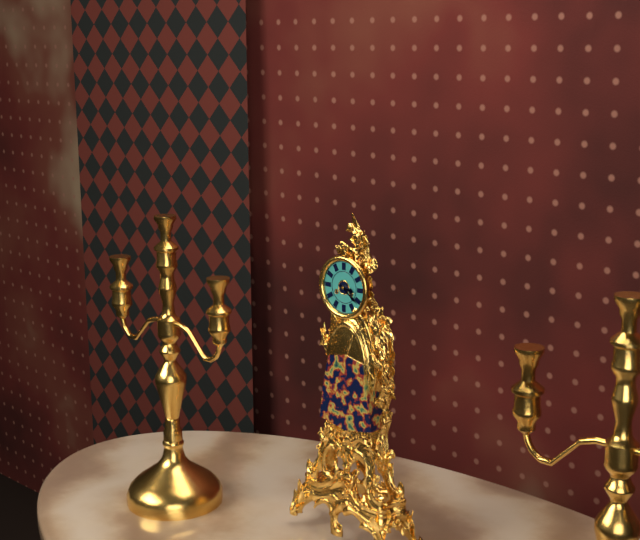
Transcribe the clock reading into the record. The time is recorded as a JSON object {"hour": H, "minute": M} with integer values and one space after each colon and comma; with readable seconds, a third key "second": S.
{"hour": 3, "minute": 21}
